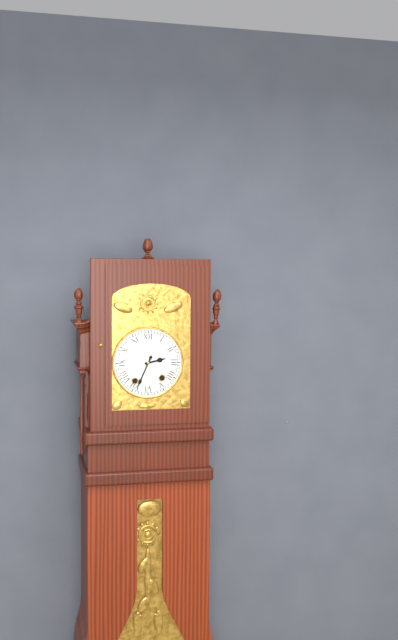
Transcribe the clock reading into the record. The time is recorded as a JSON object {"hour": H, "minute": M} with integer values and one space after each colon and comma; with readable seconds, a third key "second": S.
{"hour": 2, "minute": 34}
